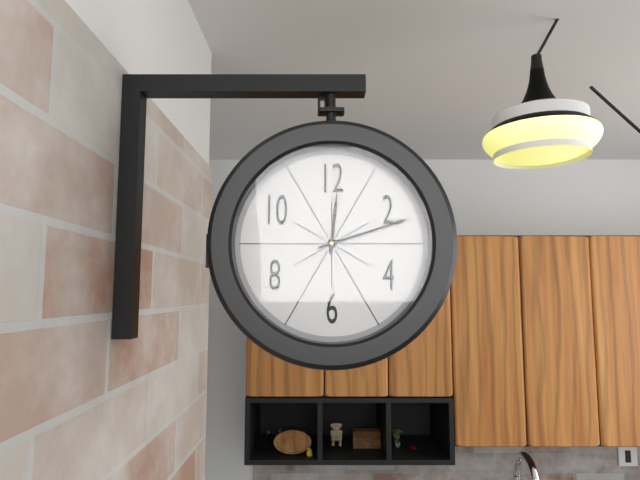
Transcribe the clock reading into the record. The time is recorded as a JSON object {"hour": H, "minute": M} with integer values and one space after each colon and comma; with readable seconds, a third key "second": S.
{"hour": 12, "minute": 12}
